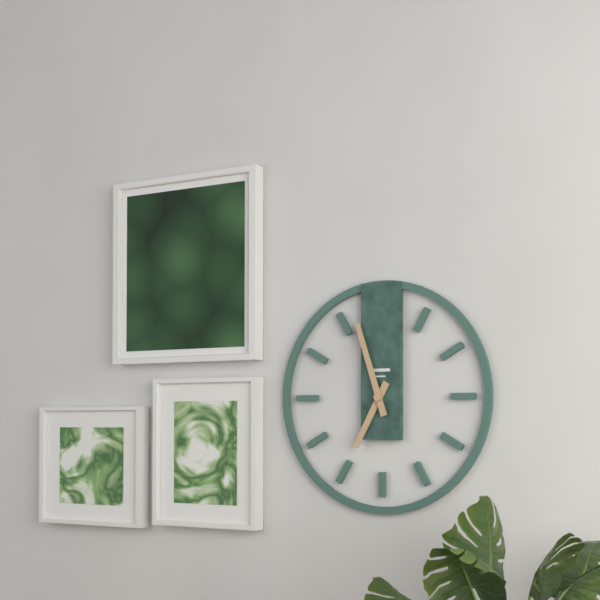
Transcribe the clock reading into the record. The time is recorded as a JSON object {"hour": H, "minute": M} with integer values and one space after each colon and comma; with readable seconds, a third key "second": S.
{"hour": 6, "minute": 57}
